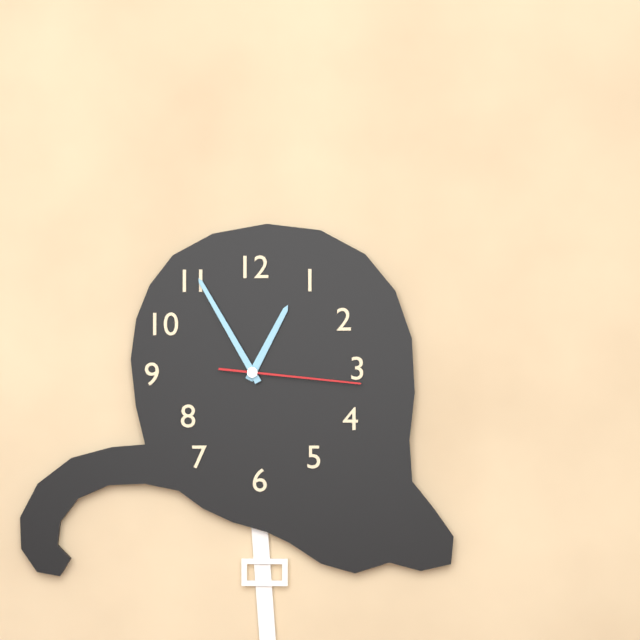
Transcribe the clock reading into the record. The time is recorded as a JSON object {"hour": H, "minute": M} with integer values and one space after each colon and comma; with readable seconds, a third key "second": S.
{"hour": 12, "minute": 55, "second": 16}
